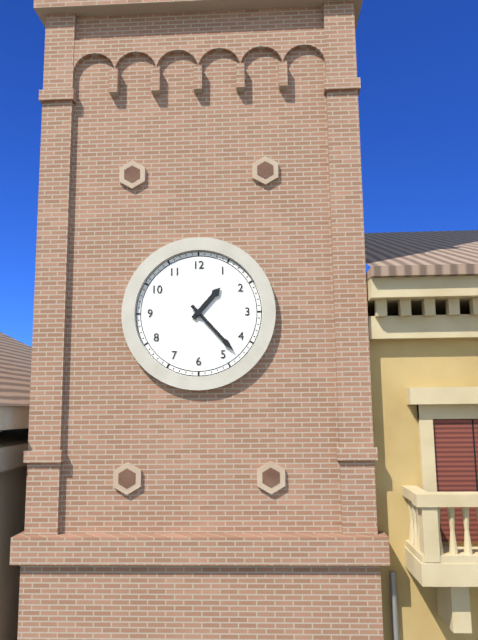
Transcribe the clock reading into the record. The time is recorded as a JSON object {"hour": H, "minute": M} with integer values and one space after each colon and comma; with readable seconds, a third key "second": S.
{"hour": 1, "minute": 23}
